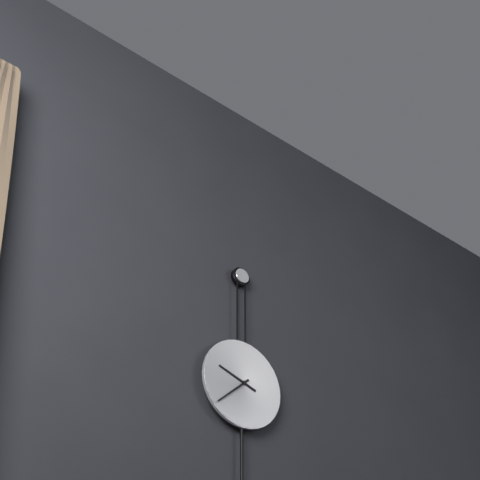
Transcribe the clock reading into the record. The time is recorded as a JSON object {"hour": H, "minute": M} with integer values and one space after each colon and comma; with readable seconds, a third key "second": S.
{"hour": 9, "minute": 38}
